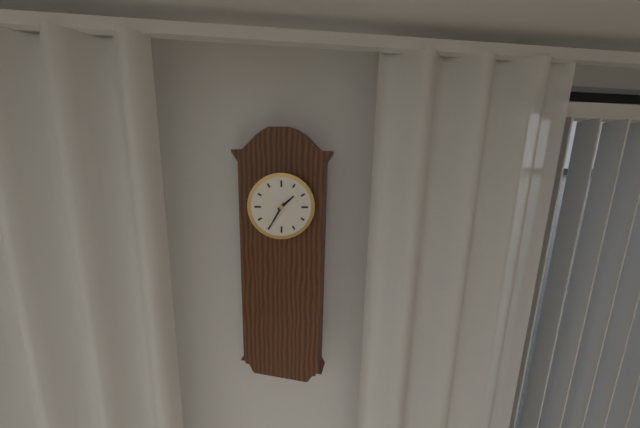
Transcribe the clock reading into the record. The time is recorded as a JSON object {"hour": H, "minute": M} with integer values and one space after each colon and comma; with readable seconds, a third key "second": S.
{"hour": 1, "minute": 35}
